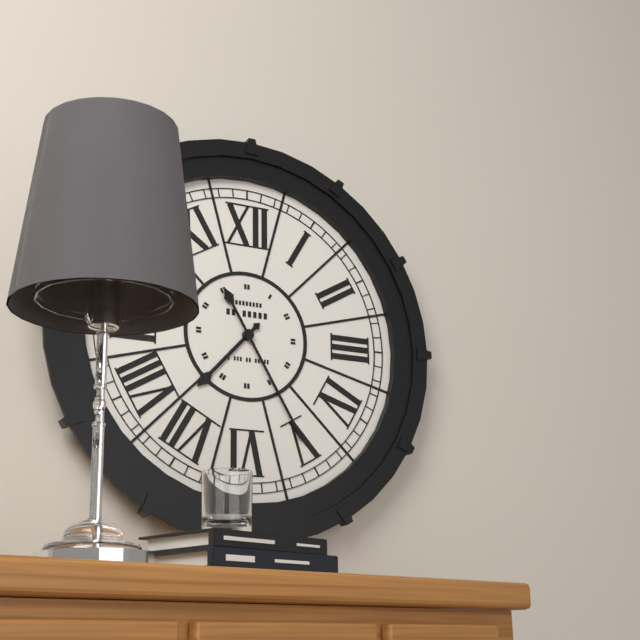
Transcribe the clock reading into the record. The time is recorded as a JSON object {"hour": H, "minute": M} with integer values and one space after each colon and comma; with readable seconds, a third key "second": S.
{"hour": 7, "minute": 25}
